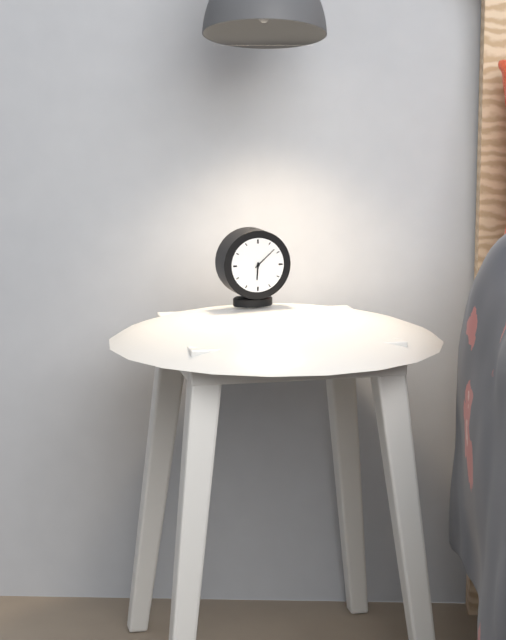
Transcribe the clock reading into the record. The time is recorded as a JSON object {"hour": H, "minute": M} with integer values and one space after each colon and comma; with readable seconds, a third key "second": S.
{"hour": 6, "minute": 8}
